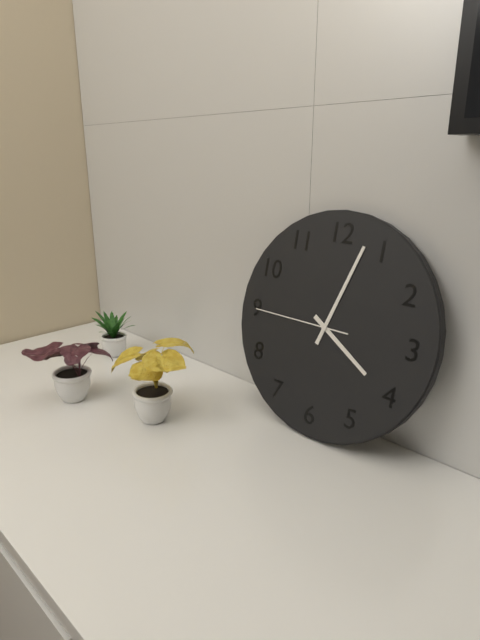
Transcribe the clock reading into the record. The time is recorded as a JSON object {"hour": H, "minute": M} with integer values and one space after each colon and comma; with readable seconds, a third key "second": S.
{"hour": 4, "minute": 3, "second": 45}
